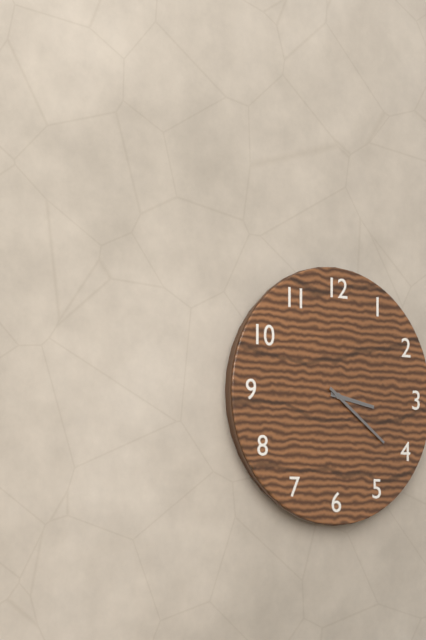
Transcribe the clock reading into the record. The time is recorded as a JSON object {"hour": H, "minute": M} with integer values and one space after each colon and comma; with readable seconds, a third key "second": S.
{"hour": 3, "minute": 21}
